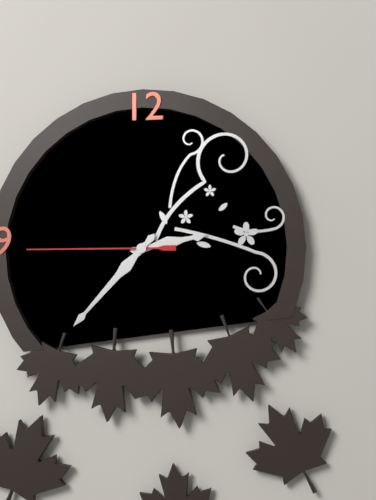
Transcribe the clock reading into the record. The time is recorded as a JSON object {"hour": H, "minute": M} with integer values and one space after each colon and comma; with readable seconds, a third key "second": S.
{"hour": 2, "minute": 37, "second": 45}
